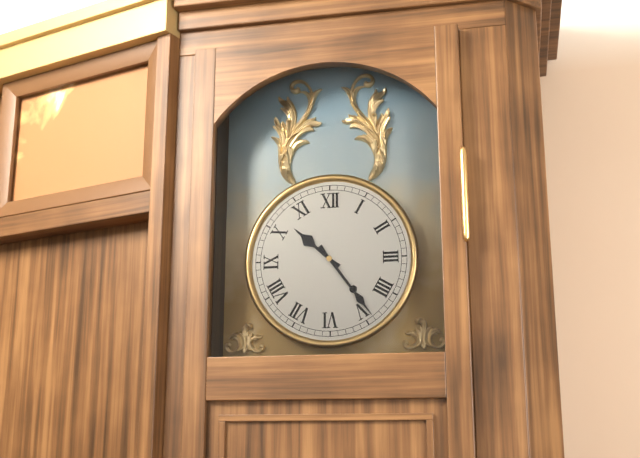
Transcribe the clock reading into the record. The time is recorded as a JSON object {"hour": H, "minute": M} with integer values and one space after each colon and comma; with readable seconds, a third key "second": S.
{"hour": 10, "minute": 24}
